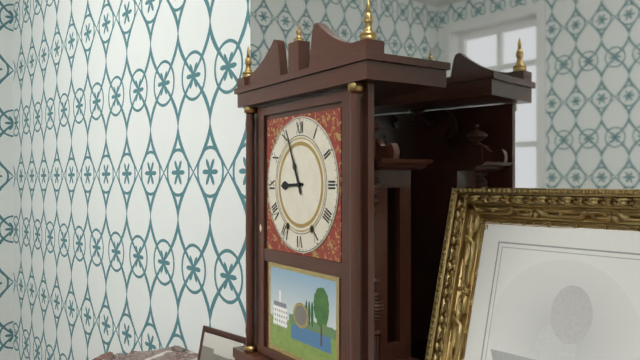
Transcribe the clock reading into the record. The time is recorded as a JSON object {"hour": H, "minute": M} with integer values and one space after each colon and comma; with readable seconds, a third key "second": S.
{"hour": 8, "minute": 56}
